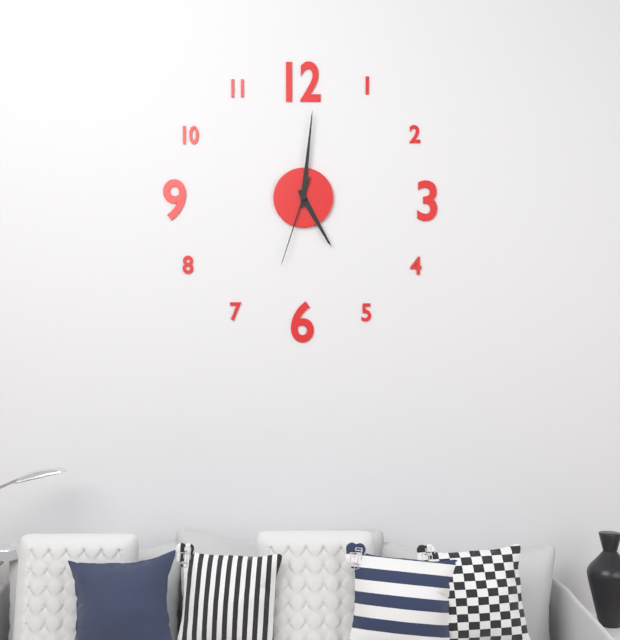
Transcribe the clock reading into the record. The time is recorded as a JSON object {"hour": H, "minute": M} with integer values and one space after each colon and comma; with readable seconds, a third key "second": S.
{"hour": 5, "minute": 1, "second": 33}
